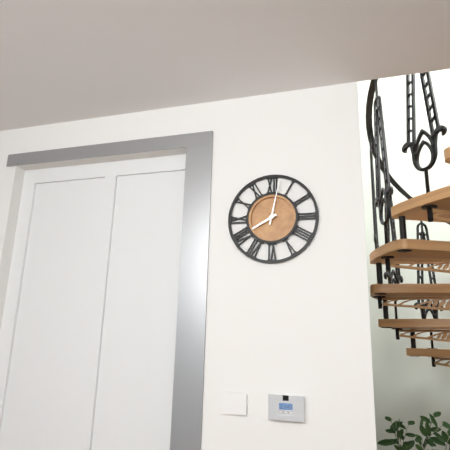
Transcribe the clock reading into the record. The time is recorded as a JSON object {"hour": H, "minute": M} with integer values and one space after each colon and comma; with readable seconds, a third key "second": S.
{"hour": 8, "minute": 2}
